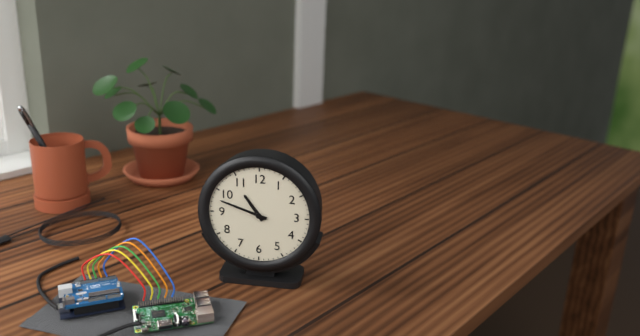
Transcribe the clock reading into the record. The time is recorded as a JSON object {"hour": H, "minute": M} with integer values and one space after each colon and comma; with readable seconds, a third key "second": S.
{"hour": 10, "minute": 48}
